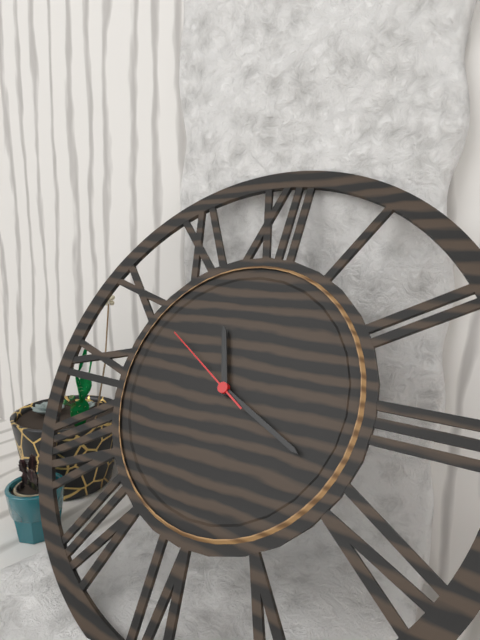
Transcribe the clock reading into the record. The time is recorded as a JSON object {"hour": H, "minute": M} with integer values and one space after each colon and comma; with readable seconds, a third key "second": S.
{"hour": 11, "minute": 19, "second": 50}
